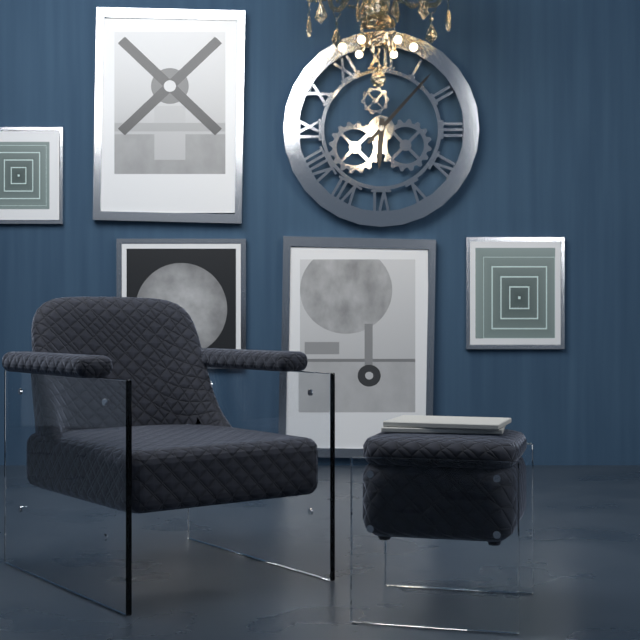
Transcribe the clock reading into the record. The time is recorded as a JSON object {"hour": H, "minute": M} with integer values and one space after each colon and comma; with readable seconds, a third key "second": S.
{"hour": 6, "minute": 7}
